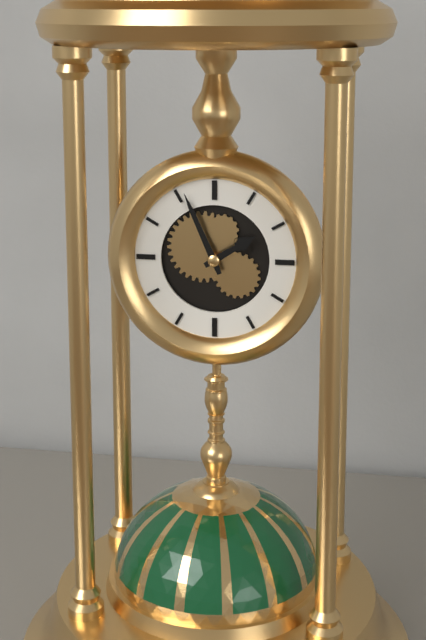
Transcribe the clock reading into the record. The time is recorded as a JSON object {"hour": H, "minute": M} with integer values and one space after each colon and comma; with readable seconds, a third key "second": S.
{"hour": 1, "minute": 56}
